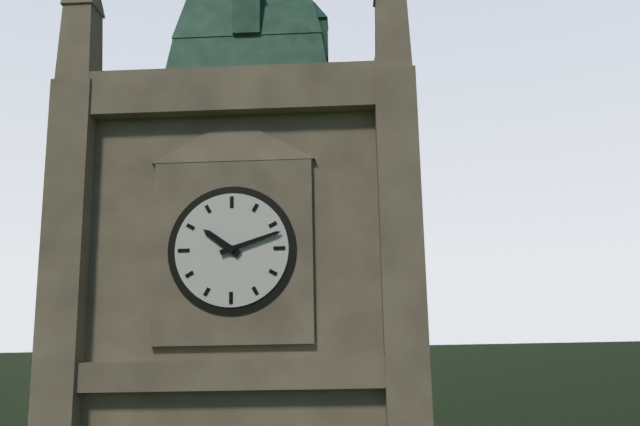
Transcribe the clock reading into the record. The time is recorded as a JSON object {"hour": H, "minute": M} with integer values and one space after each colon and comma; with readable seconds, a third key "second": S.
{"hour": 10, "minute": 12}
